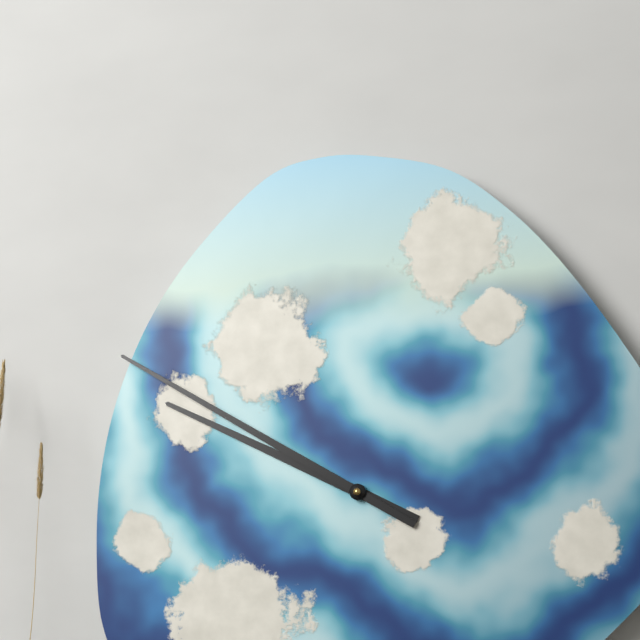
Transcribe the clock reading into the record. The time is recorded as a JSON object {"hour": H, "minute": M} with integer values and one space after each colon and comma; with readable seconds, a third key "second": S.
{"hour": 9, "minute": 50}
